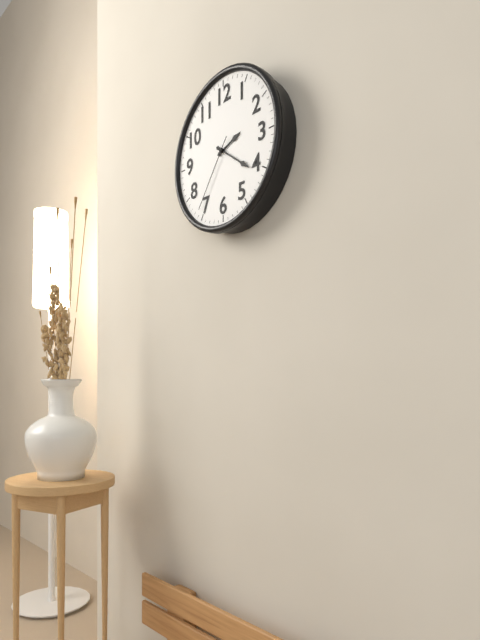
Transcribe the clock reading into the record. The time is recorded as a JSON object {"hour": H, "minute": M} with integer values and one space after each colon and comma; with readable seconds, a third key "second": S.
{"hour": 2, "minute": 21, "second": 36}
